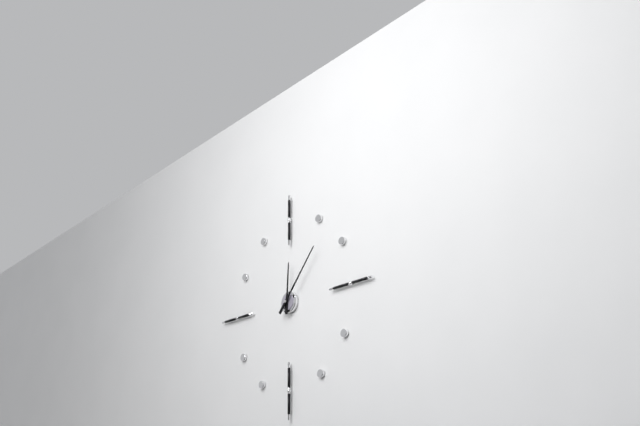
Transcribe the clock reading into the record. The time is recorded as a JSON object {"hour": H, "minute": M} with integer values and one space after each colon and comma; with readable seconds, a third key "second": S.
{"hour": 12, "minute": 7}
